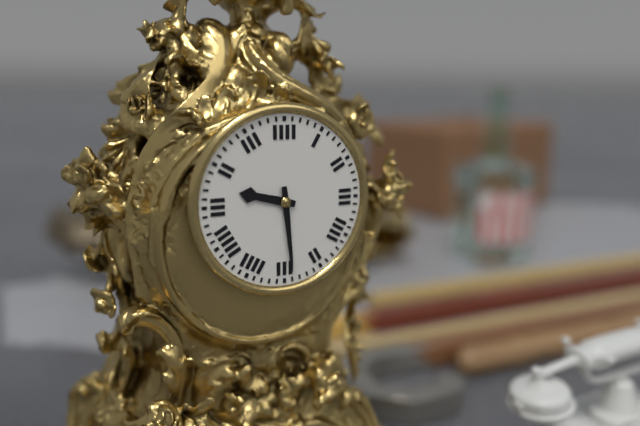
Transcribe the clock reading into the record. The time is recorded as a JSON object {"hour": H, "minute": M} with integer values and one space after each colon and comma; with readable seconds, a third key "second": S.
{"hour": 9, "minute": 29}
